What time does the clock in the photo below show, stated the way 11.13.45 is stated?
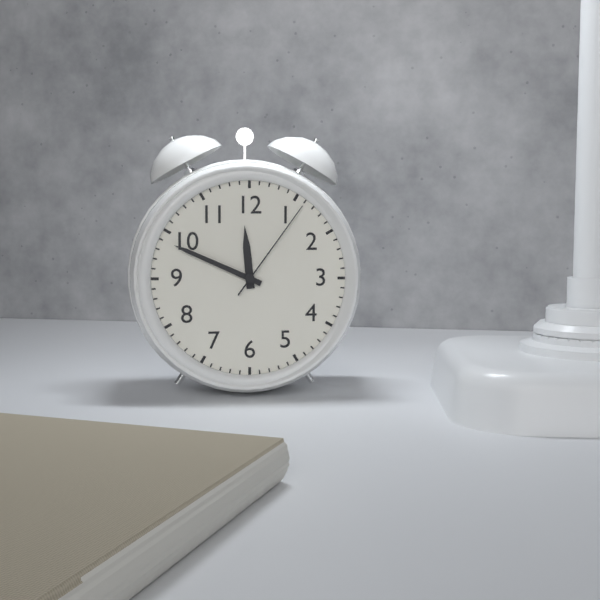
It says 11.49.06
